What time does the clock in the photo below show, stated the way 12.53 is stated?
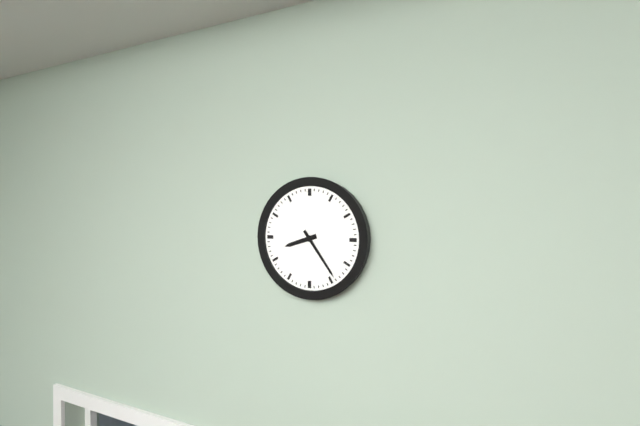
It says 8.24
